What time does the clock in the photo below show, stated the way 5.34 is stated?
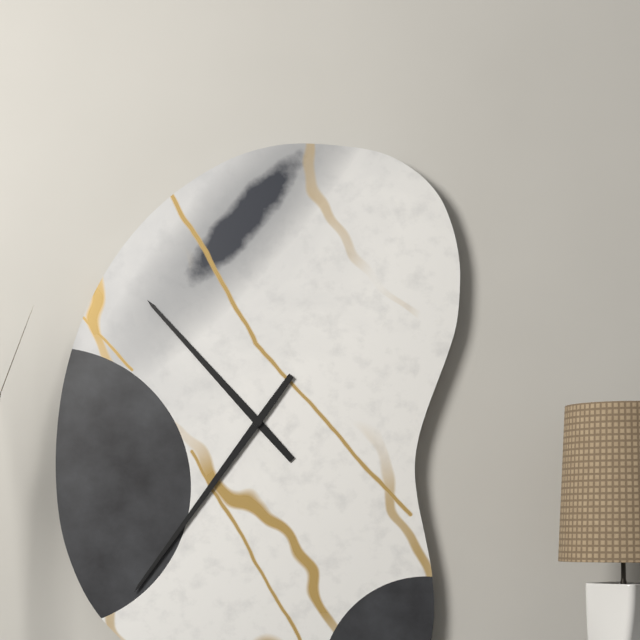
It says 10.36
